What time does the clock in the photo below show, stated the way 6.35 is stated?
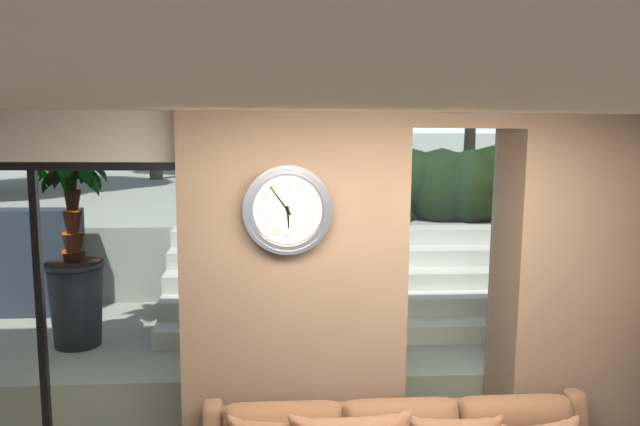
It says 5.54
